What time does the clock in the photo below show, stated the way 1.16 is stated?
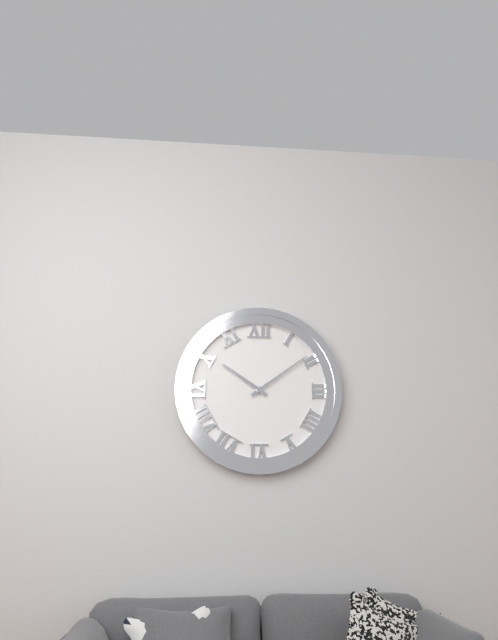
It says 10.09
